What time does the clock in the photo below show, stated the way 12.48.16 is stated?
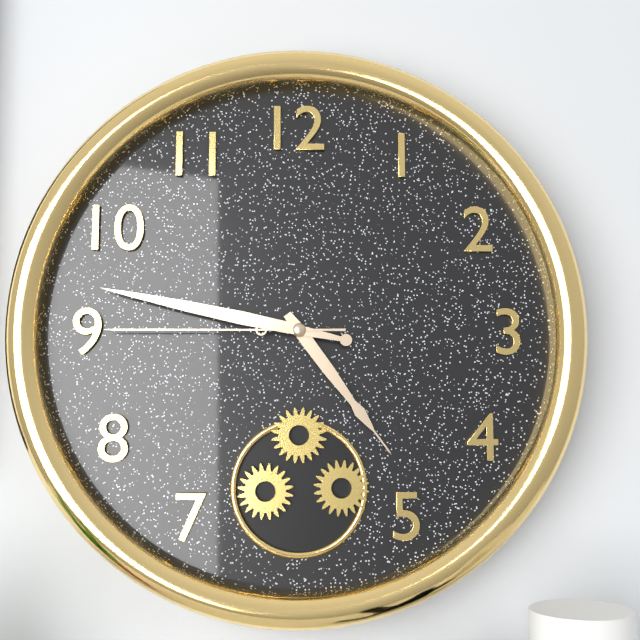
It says 4.47.45
